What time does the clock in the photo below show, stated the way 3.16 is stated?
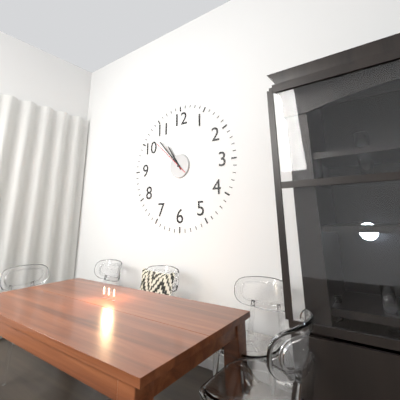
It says 10.53
